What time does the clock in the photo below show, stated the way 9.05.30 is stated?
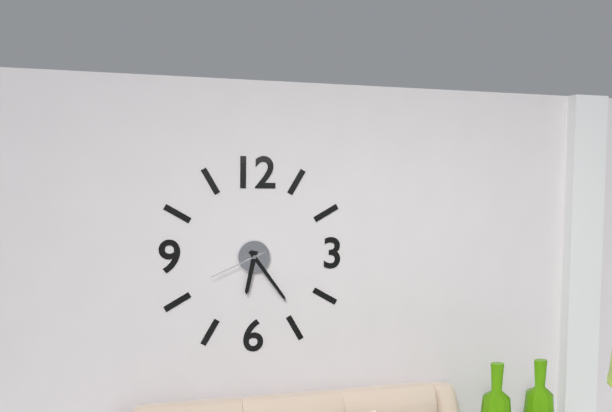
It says 6.24.41
